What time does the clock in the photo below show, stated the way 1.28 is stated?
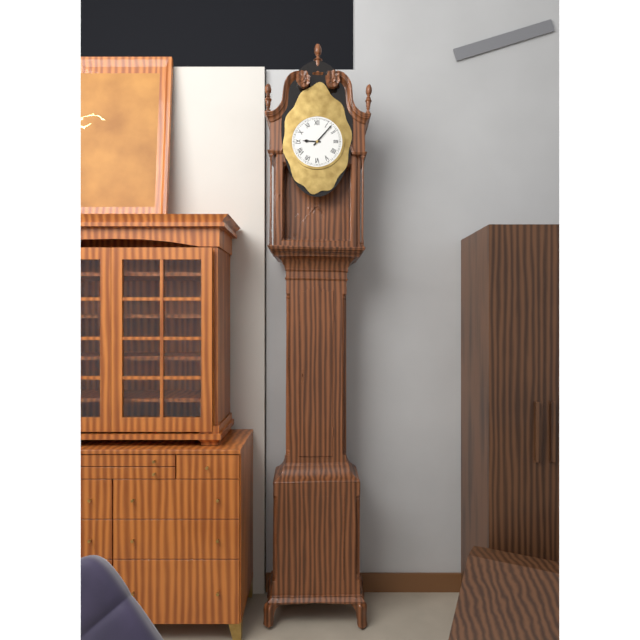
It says 9.07
